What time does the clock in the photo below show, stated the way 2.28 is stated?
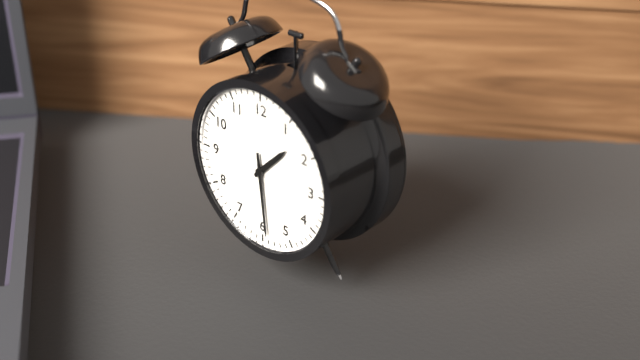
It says 1.29
